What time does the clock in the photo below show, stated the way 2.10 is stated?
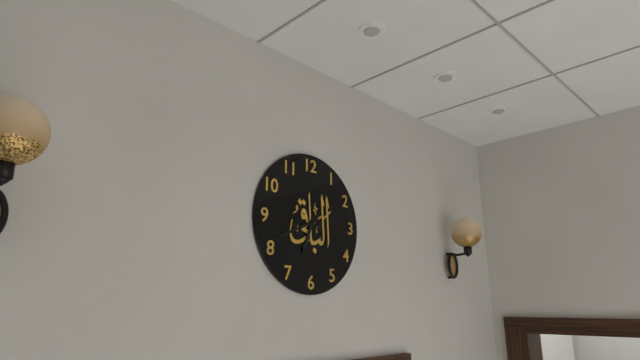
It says 6.41
